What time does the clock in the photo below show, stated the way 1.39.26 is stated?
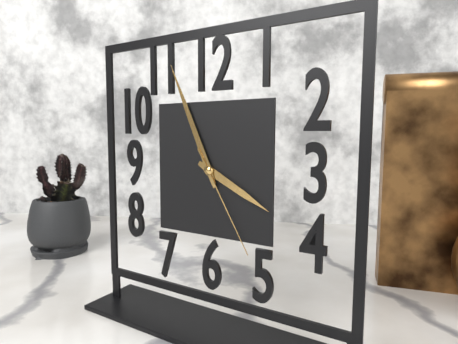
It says 3.56.25
